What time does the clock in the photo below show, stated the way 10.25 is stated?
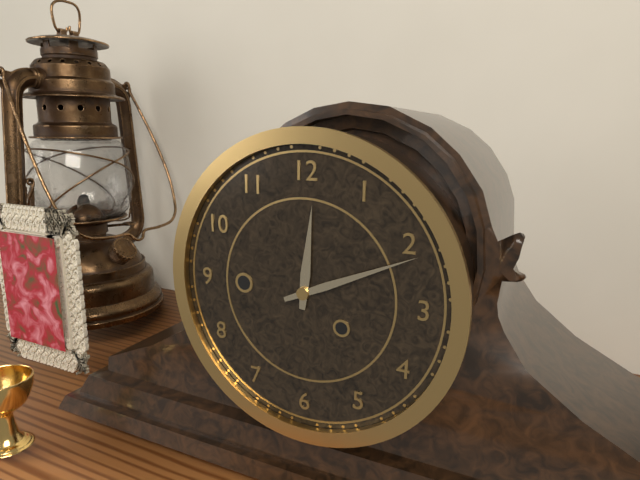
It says 12.11
